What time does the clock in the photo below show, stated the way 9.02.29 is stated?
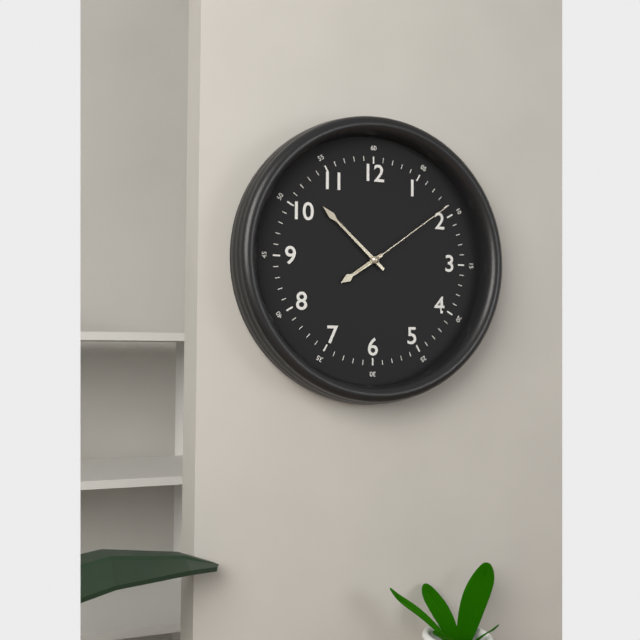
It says 7.52.09
